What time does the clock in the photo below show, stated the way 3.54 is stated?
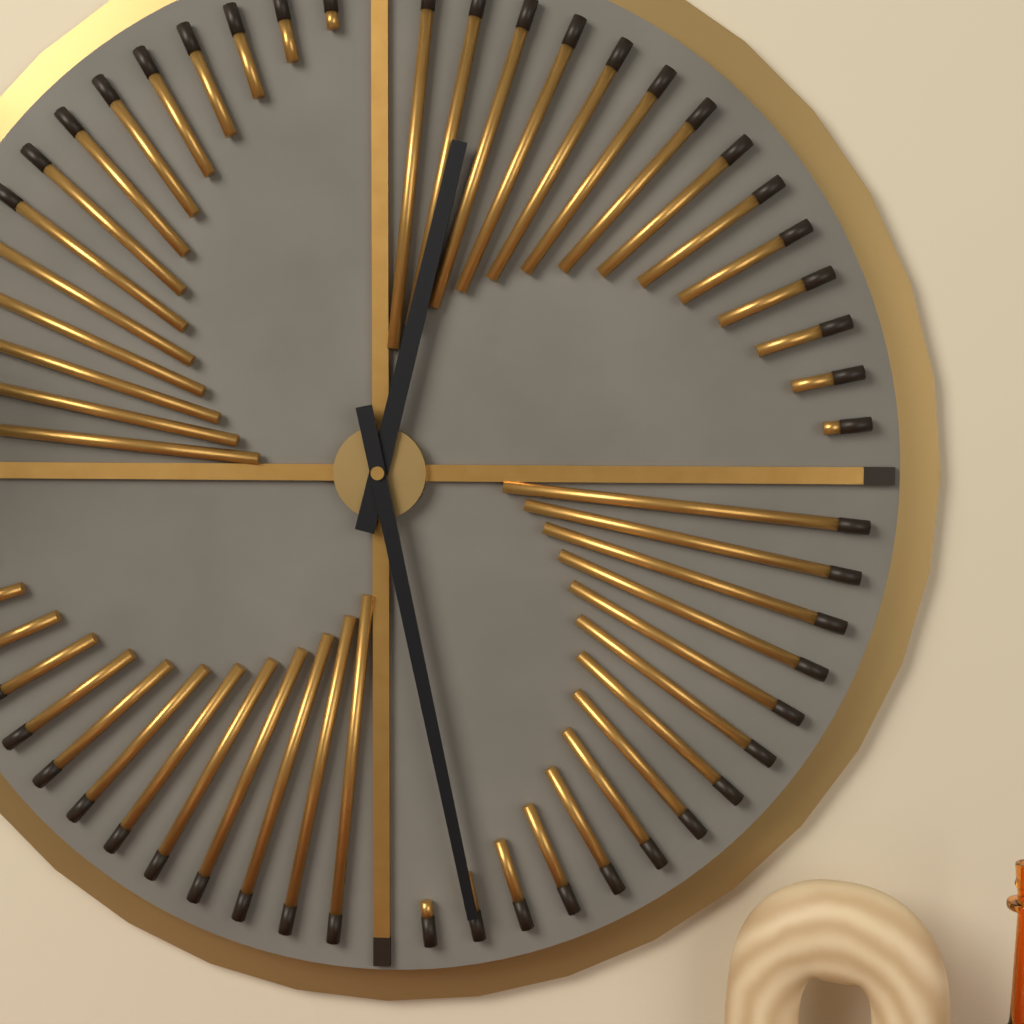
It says 12.28
